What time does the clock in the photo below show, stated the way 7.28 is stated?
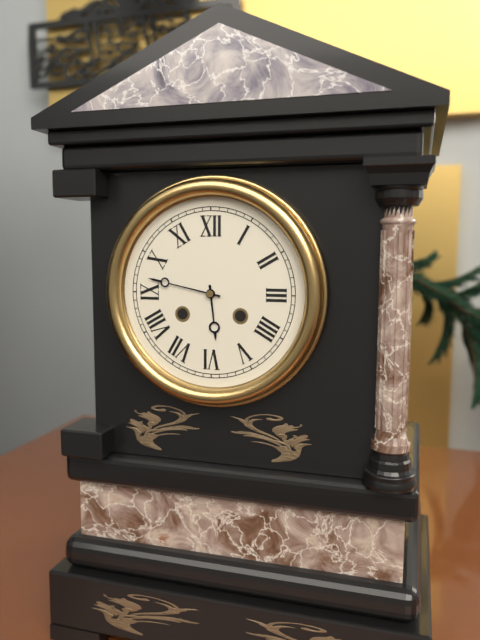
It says 5.47
